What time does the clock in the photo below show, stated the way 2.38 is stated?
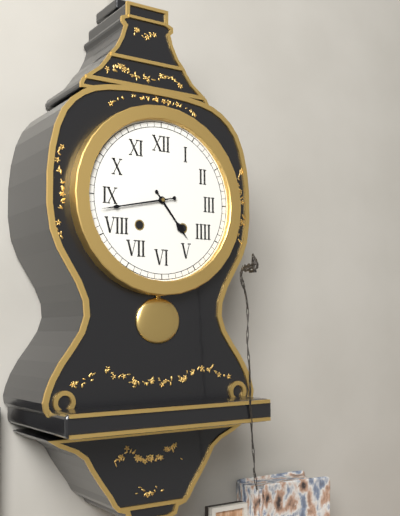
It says 4.43
